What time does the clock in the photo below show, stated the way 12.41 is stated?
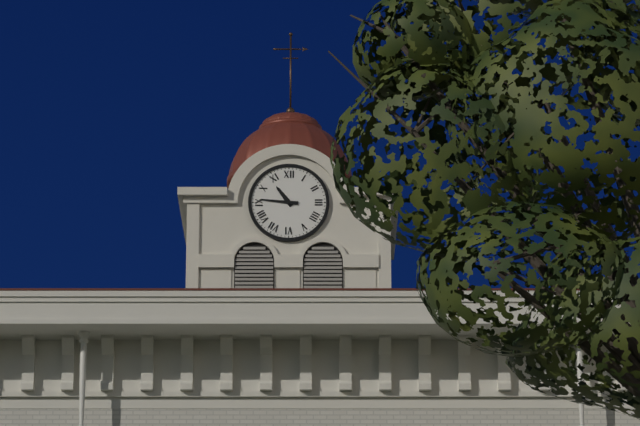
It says 10.46
